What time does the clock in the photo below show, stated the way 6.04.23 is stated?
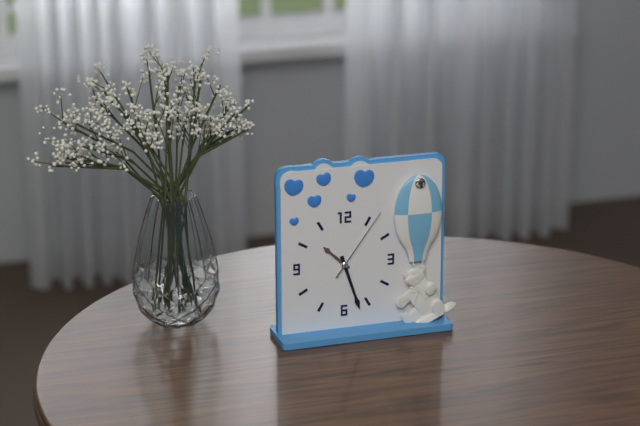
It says 10.27.06
